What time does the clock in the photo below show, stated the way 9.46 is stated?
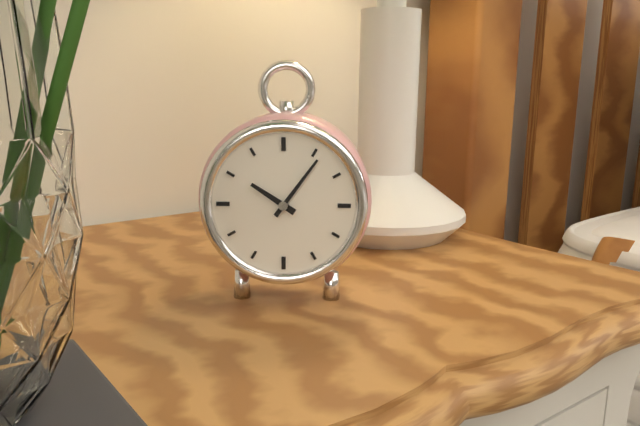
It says 10.06
